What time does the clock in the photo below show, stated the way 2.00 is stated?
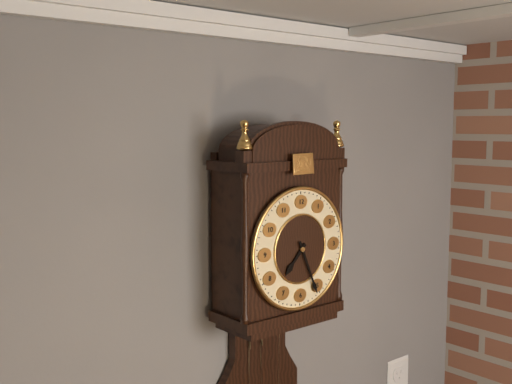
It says 7.26
